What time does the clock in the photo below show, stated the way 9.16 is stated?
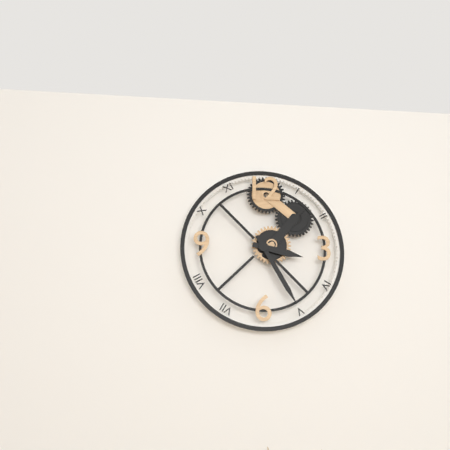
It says 3.25
